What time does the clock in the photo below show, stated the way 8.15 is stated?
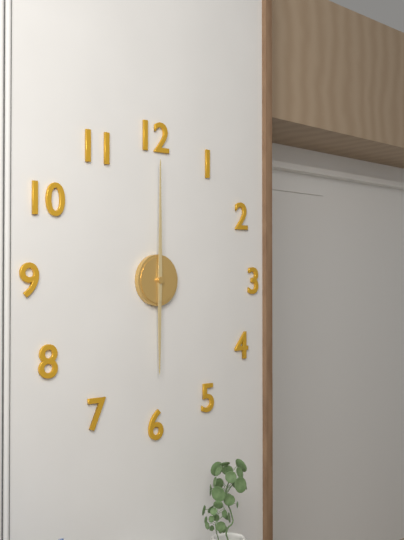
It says 6.00
